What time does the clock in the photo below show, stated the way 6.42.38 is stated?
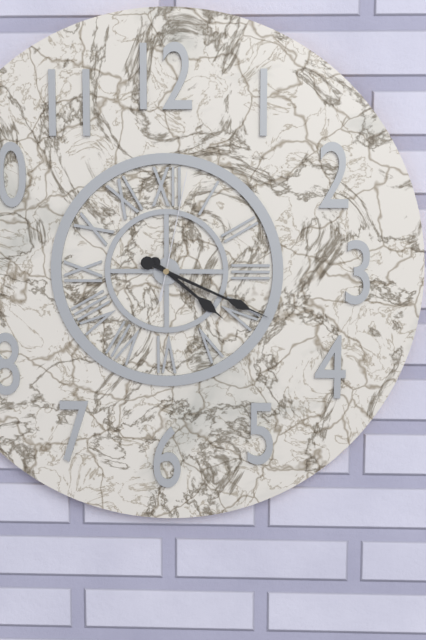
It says 4.19.02
